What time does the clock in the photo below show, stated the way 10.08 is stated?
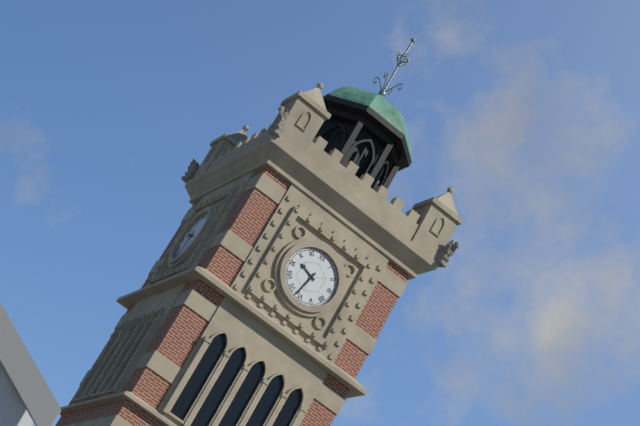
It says 9.32
